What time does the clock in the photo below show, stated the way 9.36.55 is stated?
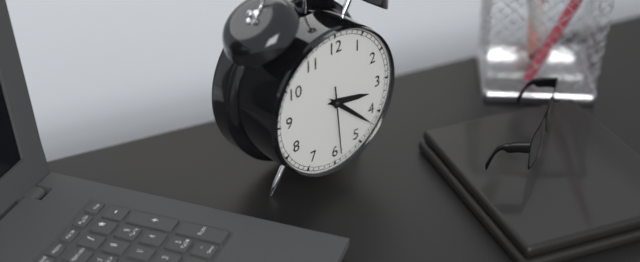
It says 3.22.29
